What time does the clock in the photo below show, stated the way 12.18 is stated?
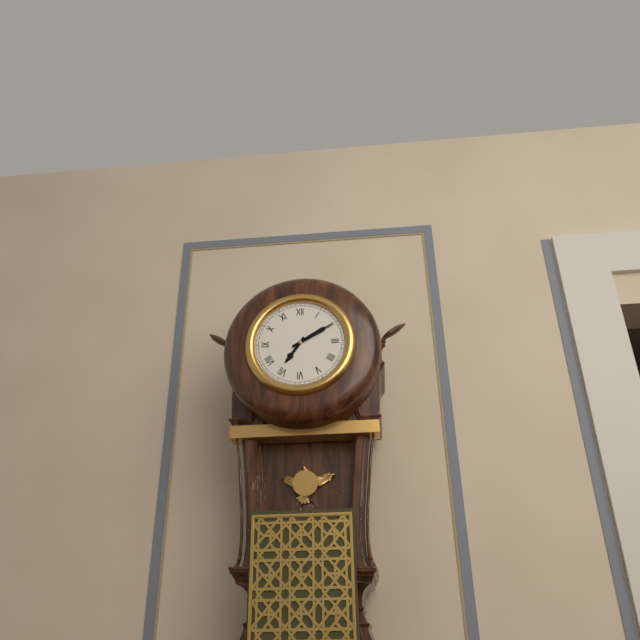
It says 7.10
